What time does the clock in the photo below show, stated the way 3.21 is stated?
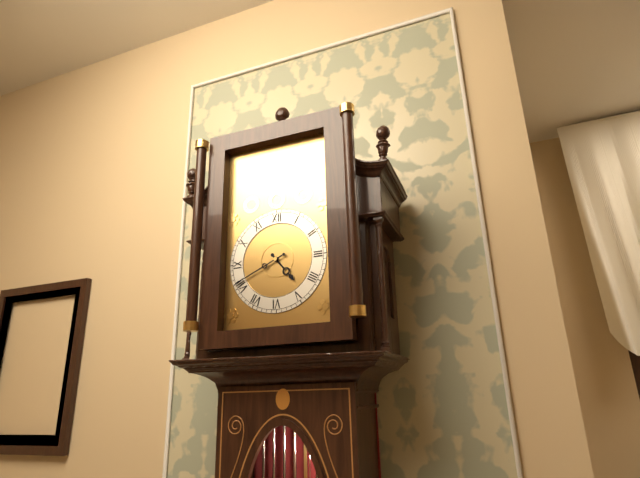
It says 4.41
